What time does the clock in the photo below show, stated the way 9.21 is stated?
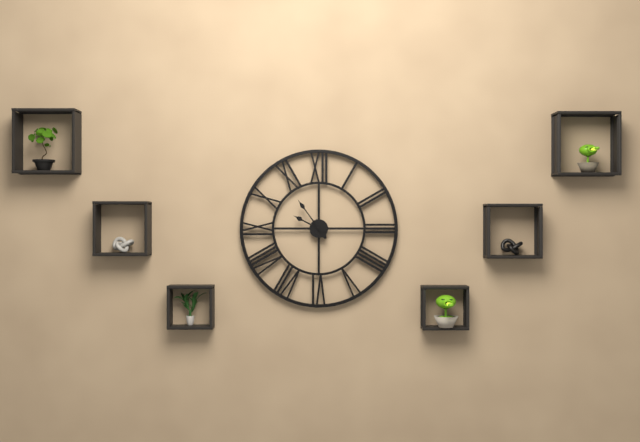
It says 9.54
